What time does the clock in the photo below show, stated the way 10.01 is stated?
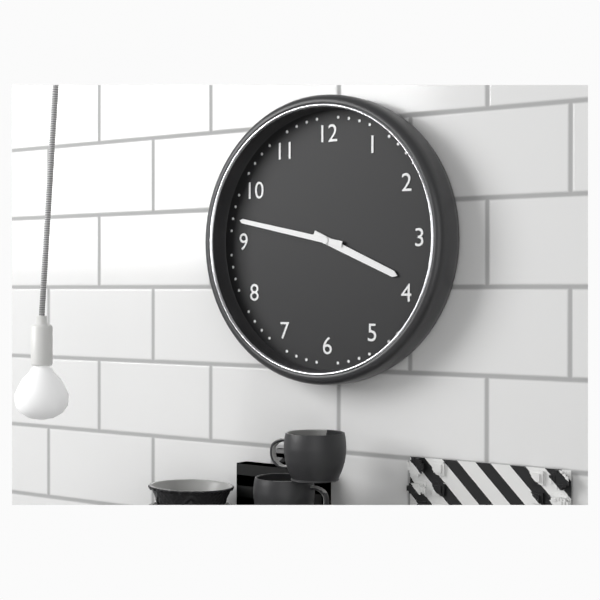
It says 3.47
